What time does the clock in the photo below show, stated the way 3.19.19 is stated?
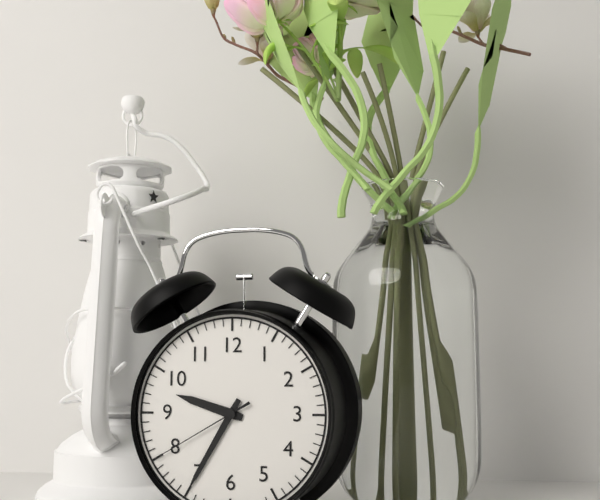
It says 9.35.40
